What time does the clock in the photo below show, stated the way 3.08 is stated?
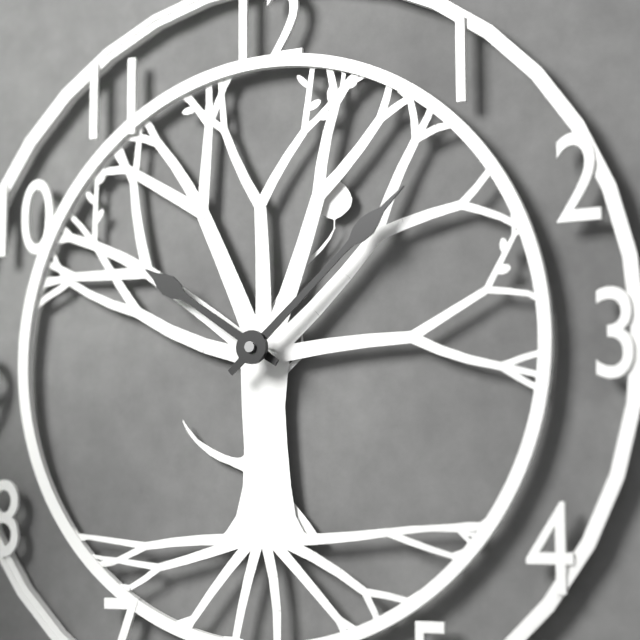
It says 10.08
